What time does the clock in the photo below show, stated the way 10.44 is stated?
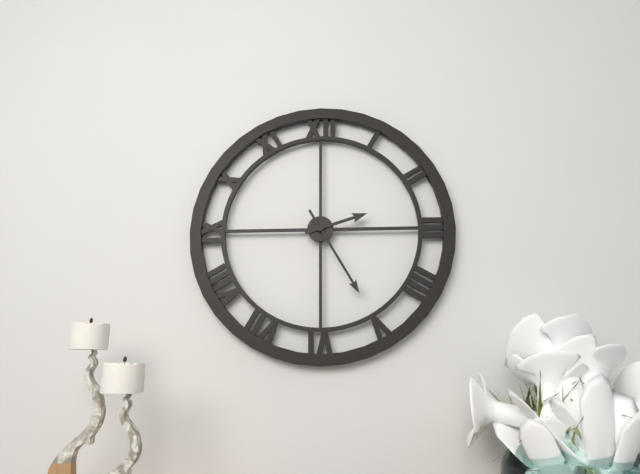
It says 2.25
